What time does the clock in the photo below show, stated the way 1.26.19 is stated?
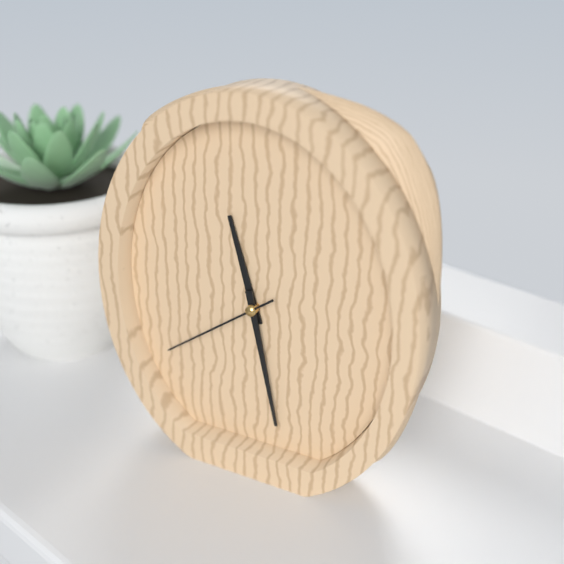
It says 11.28.39
